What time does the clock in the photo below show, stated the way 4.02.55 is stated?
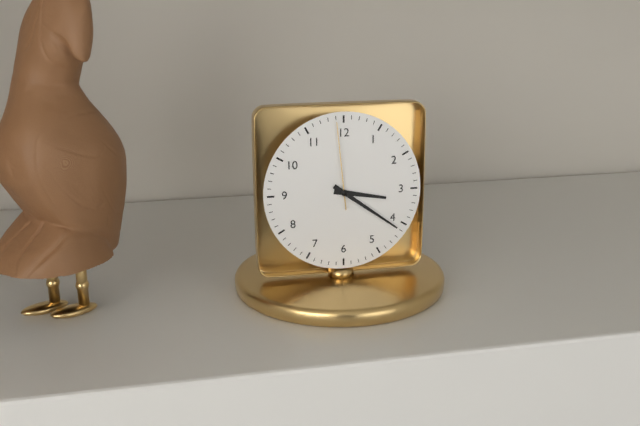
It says 3.21.59
